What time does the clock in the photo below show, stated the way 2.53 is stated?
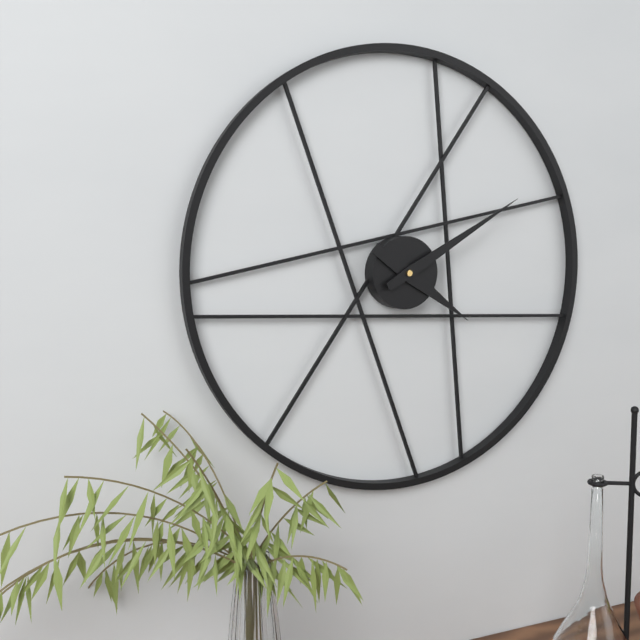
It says 4.10
